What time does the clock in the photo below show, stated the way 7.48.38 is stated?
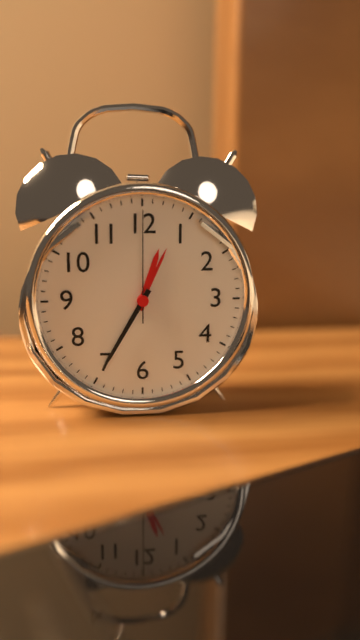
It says 12.35.00
